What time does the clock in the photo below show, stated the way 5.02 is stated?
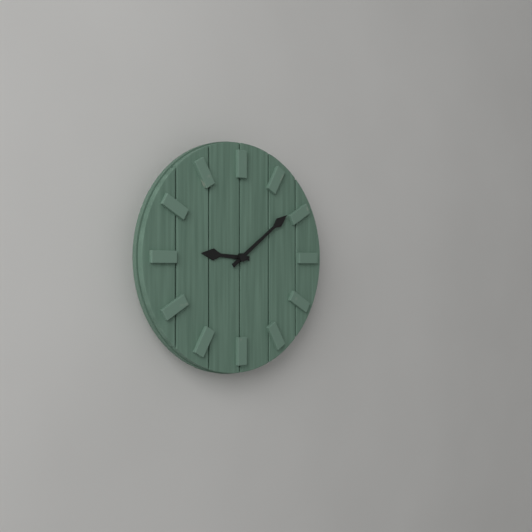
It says 9.09
